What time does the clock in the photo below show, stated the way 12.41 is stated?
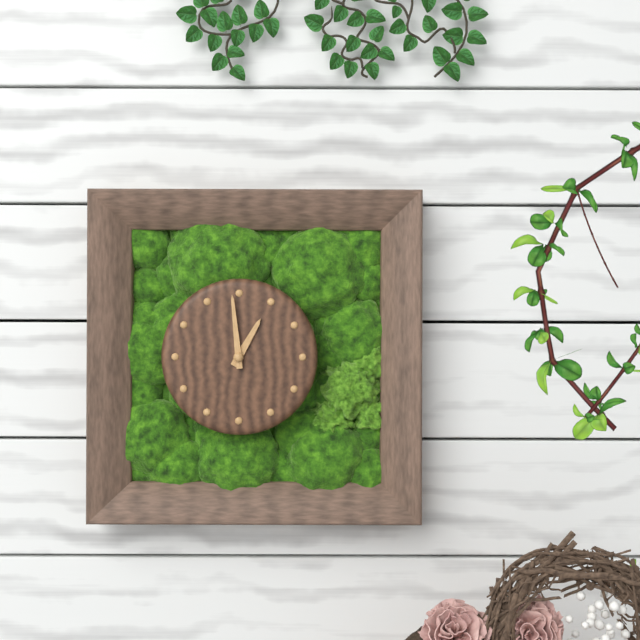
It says 12.59
